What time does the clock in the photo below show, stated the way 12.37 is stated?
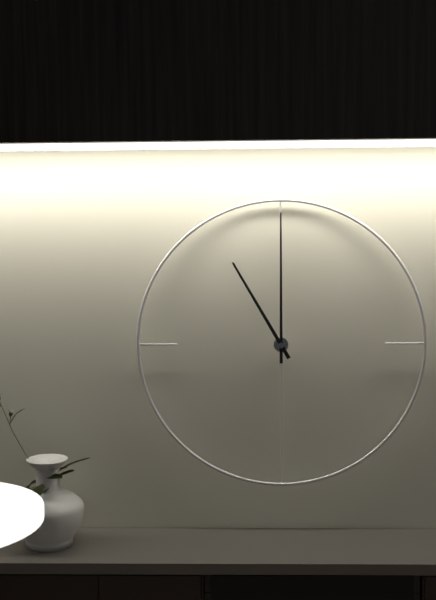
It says 11.00
